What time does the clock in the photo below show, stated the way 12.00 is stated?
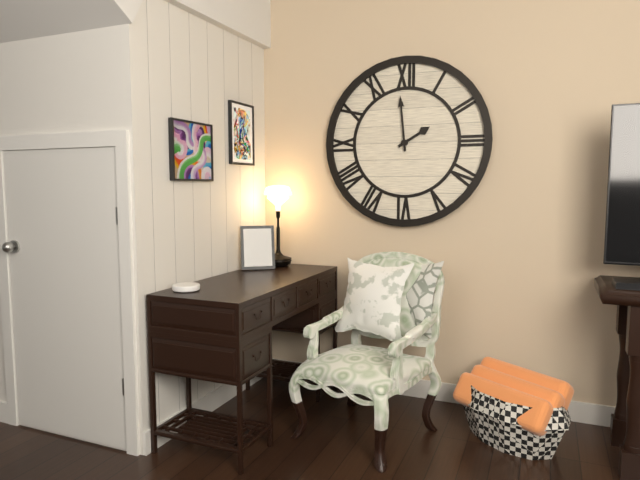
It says 1.59
